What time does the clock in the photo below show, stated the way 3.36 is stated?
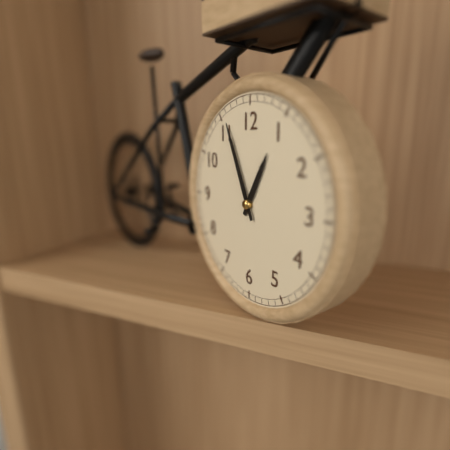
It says 12.56
